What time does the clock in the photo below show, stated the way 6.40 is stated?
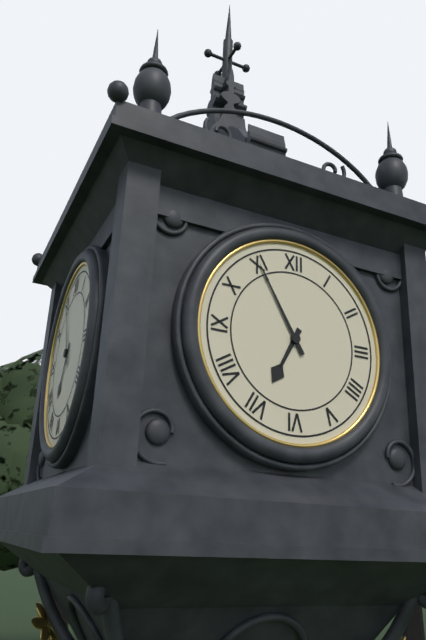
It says 6.55
